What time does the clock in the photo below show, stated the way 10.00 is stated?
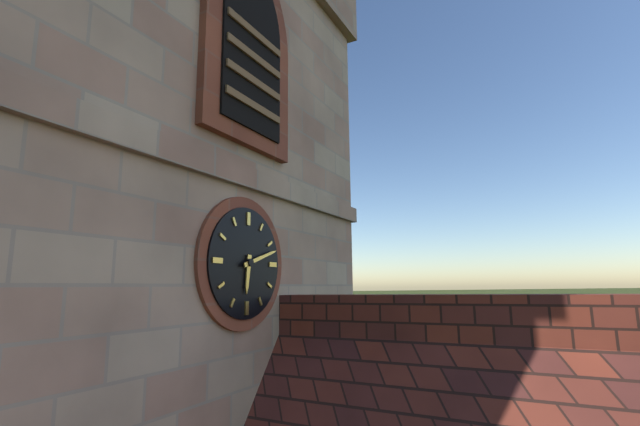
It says 6.12
